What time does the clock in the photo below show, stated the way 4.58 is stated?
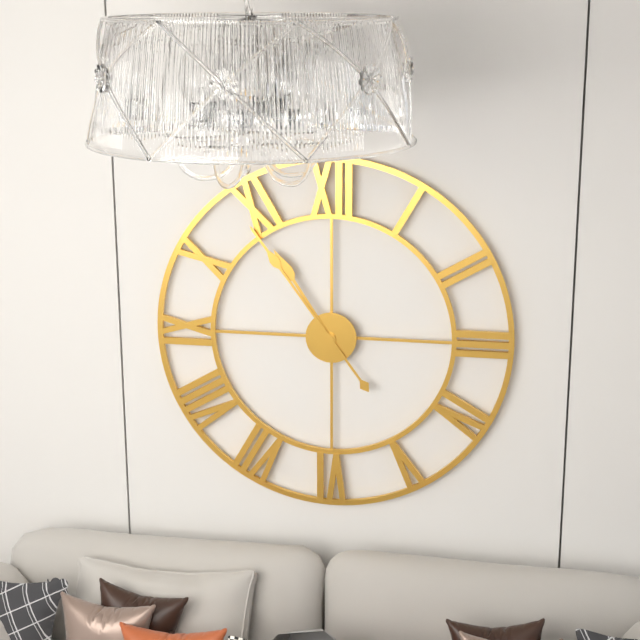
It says 10.54
